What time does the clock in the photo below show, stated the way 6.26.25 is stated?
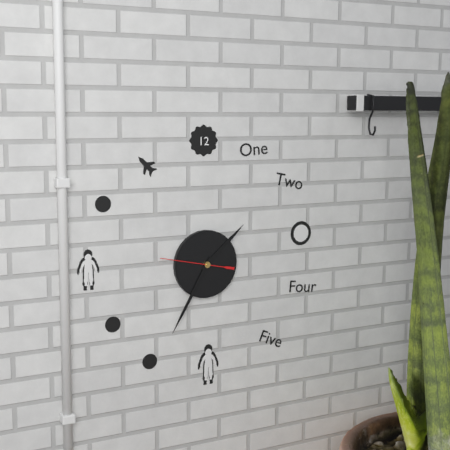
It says 1.35.47
